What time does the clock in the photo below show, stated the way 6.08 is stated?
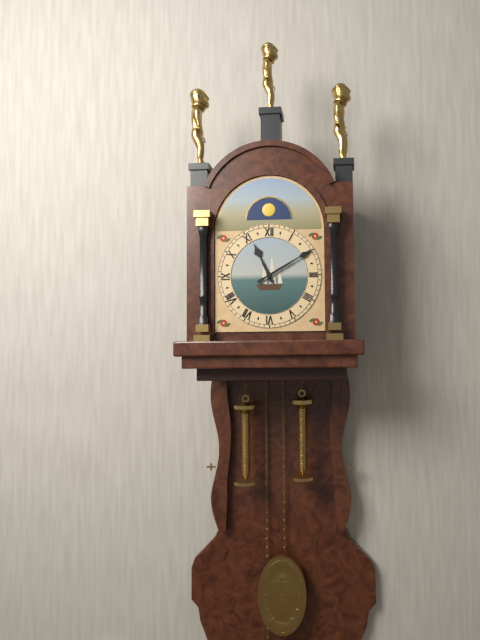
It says 11.10
